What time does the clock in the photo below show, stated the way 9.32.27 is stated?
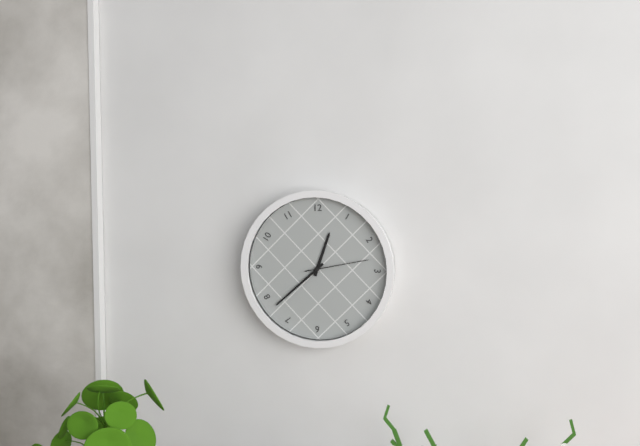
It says 12.38.13
